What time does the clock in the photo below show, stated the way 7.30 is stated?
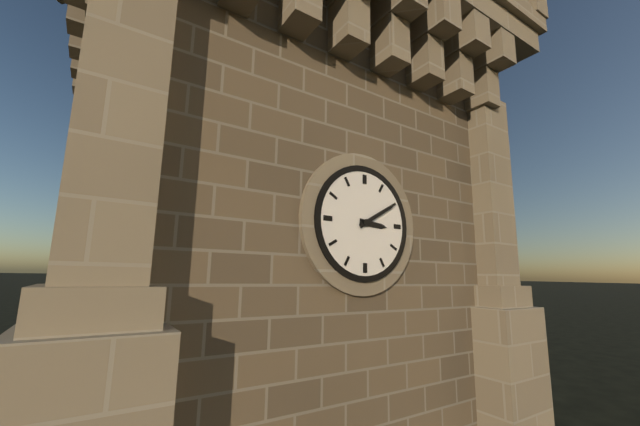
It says 3.10
